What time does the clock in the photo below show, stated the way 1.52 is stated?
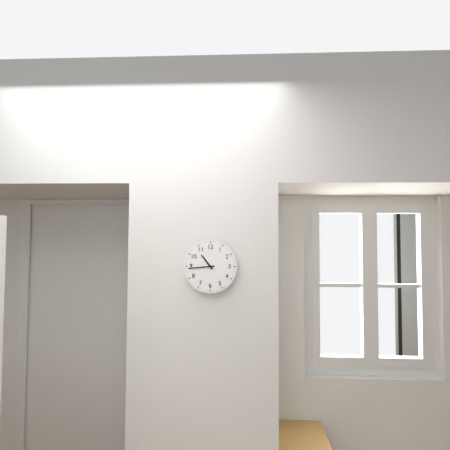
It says 10.44
